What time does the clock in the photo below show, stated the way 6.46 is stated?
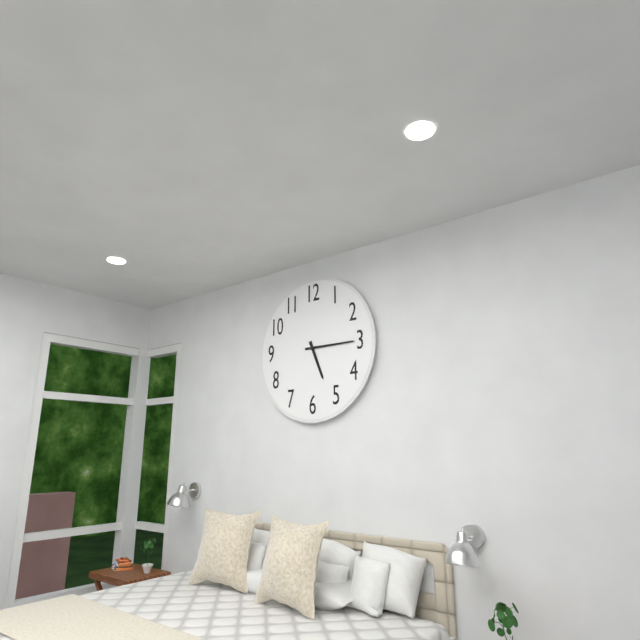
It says 5.15
